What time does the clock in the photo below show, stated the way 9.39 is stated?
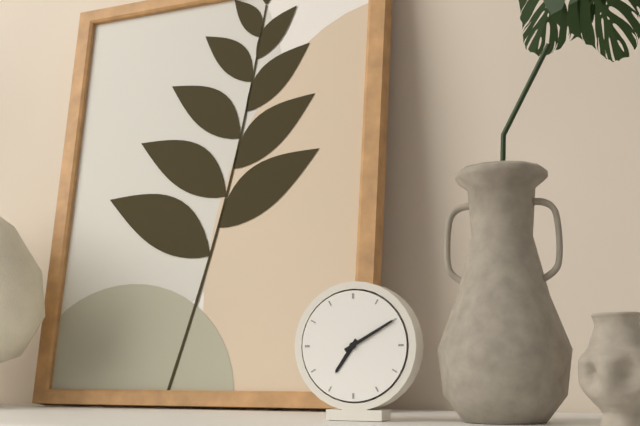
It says 7.10
